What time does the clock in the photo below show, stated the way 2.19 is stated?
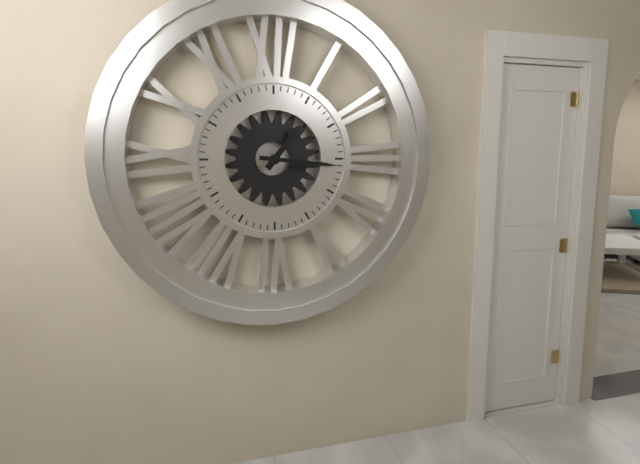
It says 1.16
